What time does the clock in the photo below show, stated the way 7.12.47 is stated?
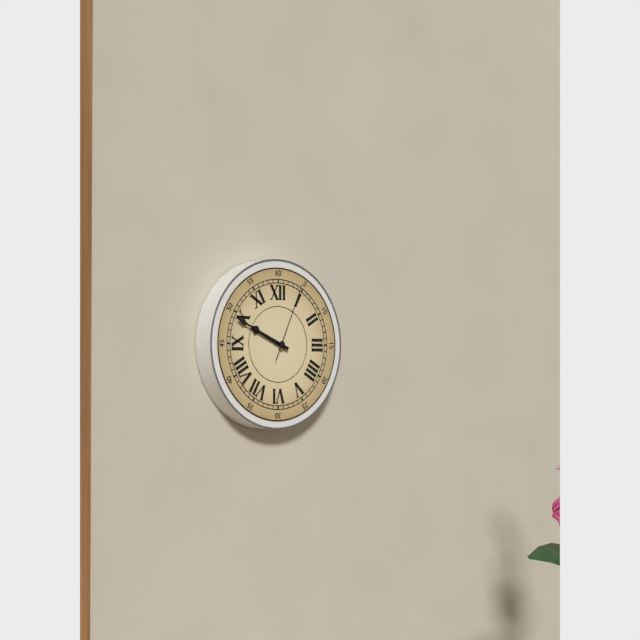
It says 9.49.04
